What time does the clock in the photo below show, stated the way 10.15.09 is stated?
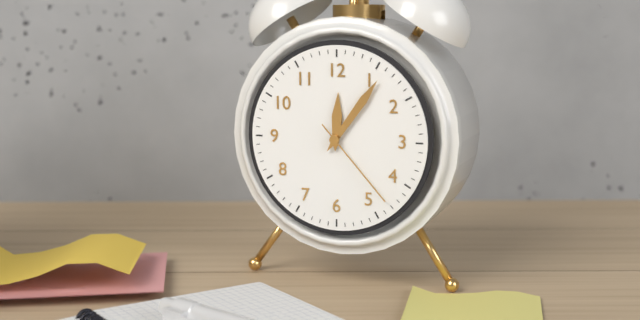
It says 12.06.23
